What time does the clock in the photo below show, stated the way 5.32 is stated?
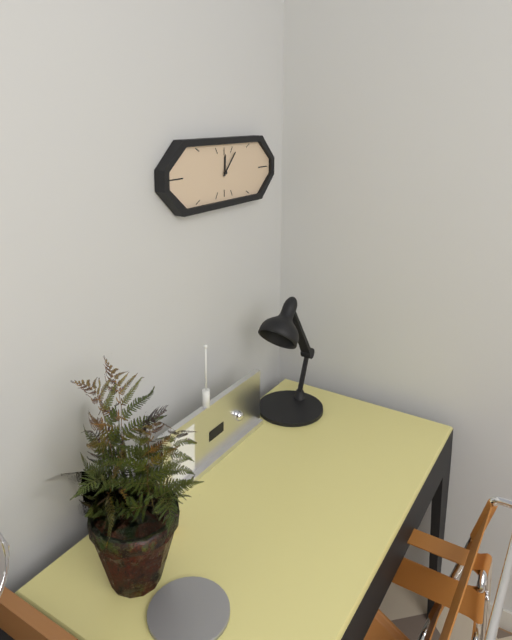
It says 12.07
